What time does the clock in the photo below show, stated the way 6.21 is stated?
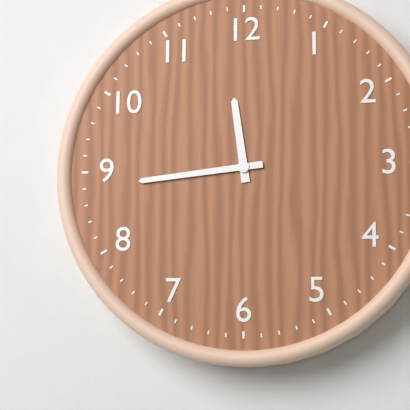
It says 11.44
